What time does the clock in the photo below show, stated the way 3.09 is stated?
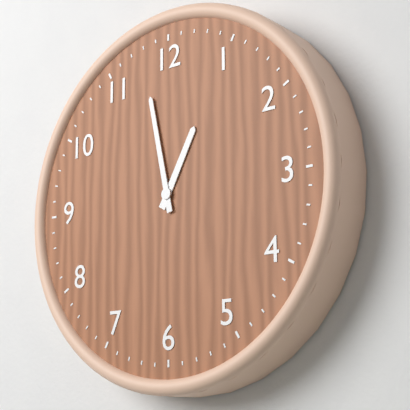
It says 12.58
